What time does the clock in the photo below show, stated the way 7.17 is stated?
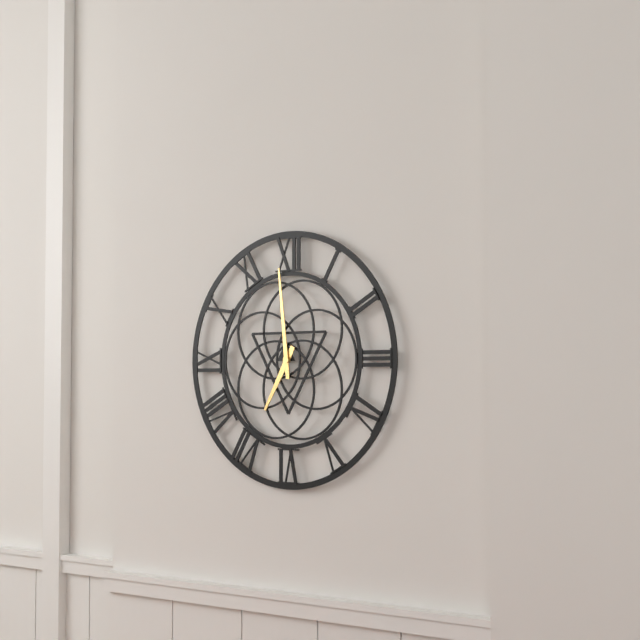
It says 6.59
